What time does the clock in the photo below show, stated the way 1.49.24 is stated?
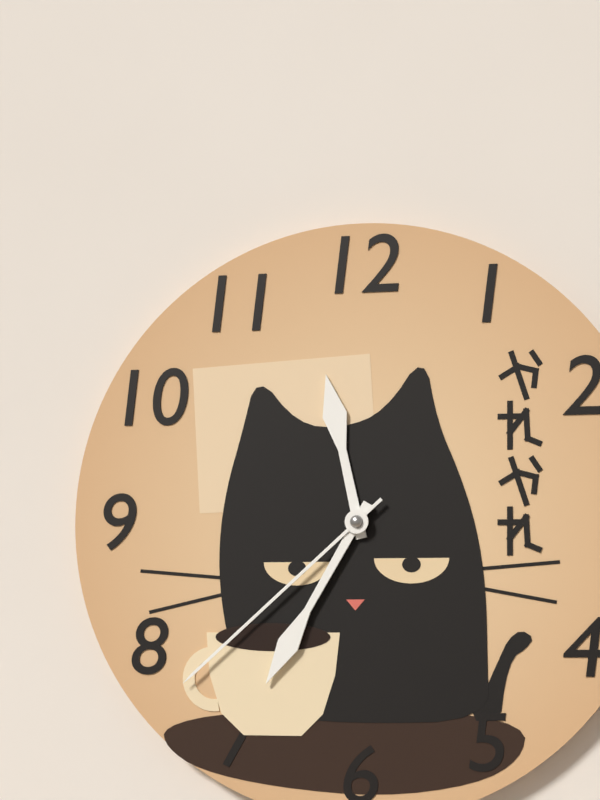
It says 11.35.38
